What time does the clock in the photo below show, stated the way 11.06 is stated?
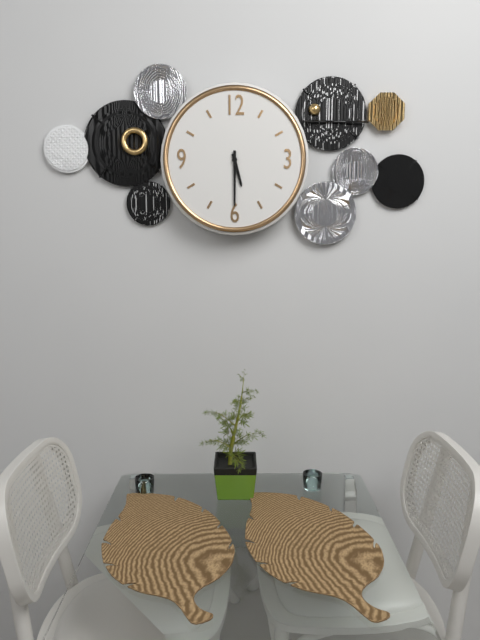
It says 5.30
